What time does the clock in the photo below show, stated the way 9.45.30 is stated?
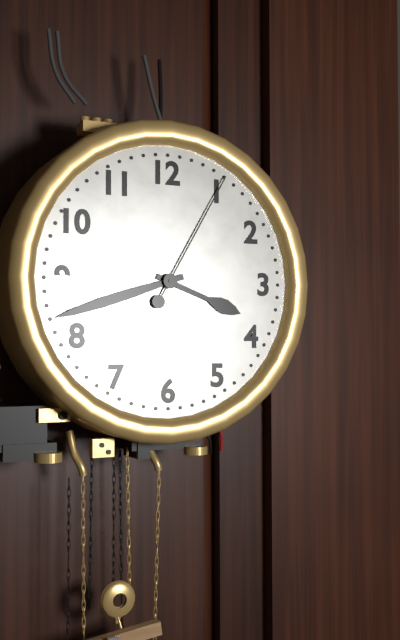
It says 3.42.05
